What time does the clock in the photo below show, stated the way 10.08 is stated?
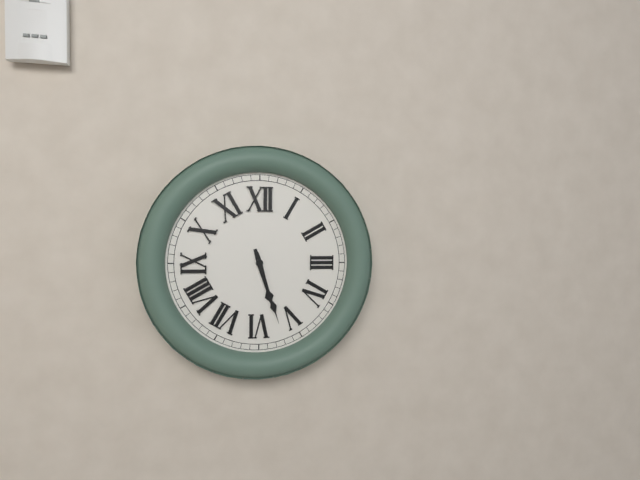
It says 5.27
